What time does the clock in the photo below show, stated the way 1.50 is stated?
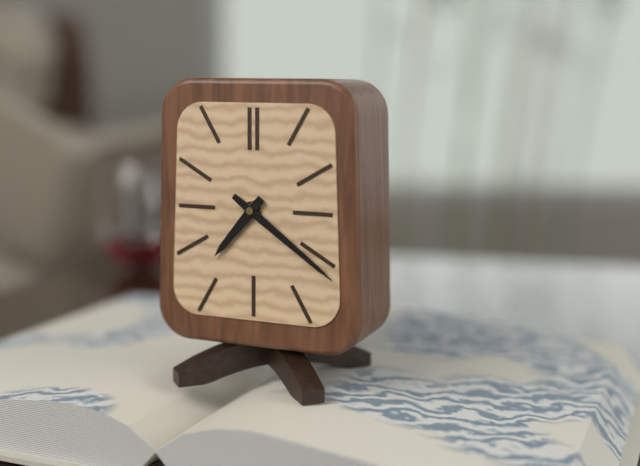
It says 7.21
